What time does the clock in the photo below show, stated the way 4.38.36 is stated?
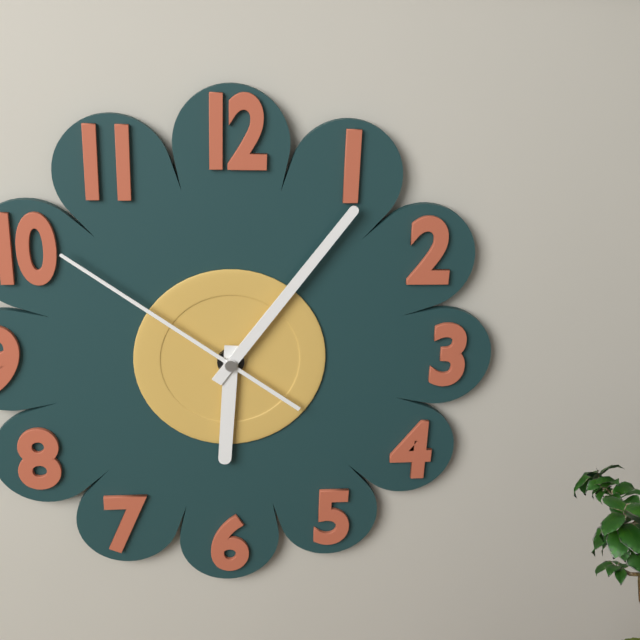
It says 6.06.51
